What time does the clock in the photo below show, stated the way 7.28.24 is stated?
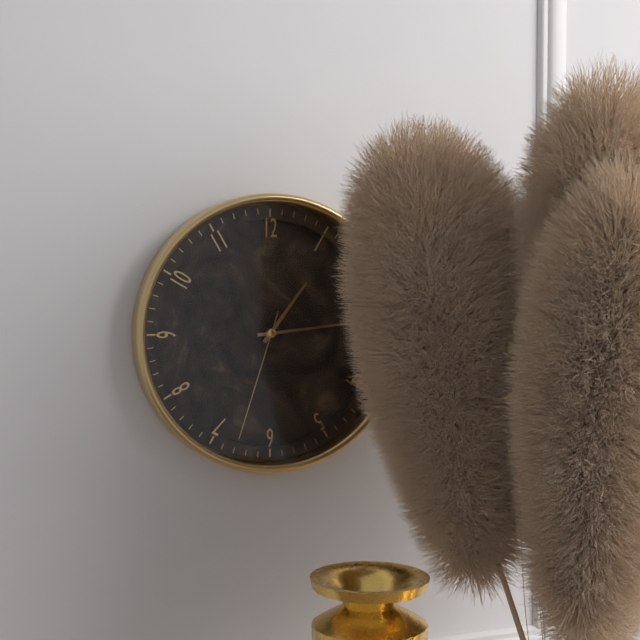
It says 1.14.33
